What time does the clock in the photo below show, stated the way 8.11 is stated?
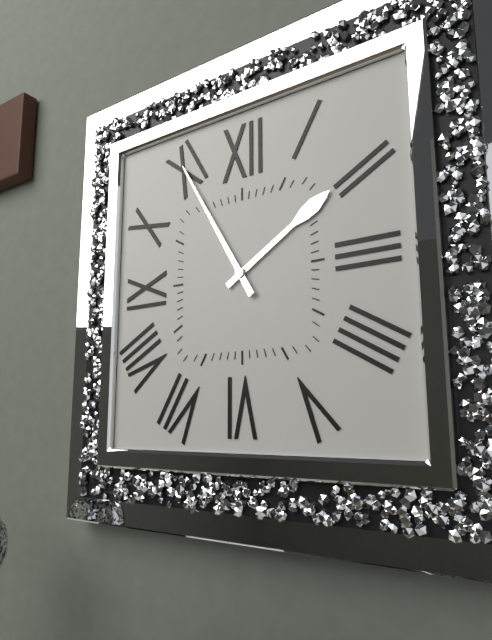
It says 1.55
